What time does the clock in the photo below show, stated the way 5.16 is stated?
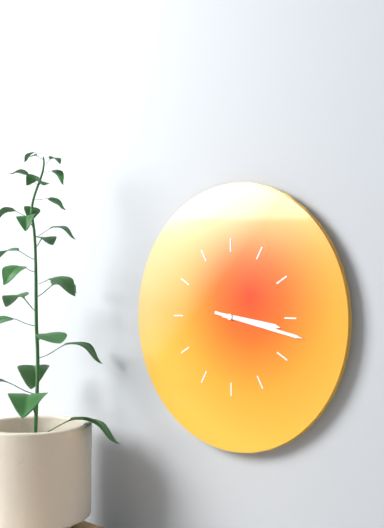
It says 3.17
